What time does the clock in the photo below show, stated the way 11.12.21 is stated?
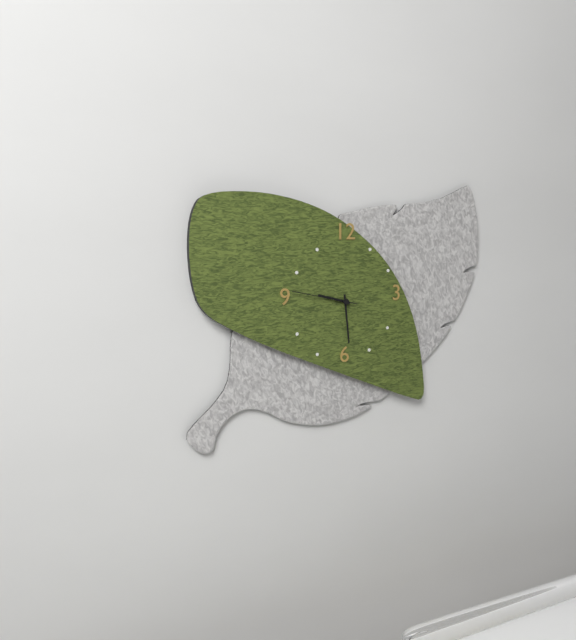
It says 9.29.47
